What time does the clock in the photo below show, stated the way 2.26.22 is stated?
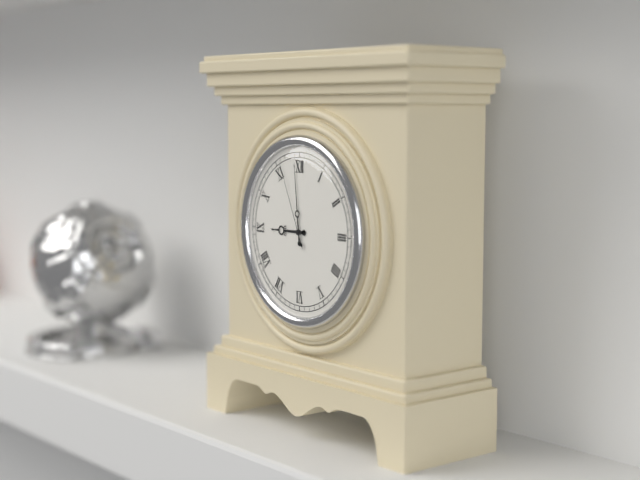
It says 8.59.56
